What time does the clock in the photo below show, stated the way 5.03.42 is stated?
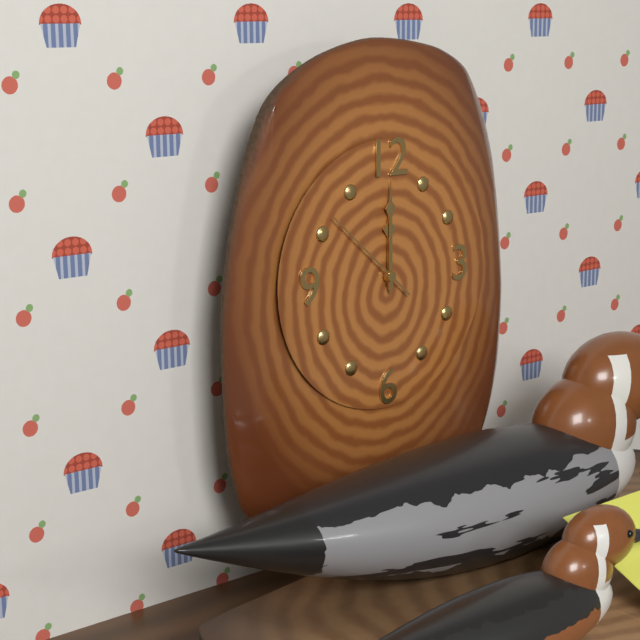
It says 12.00.52
